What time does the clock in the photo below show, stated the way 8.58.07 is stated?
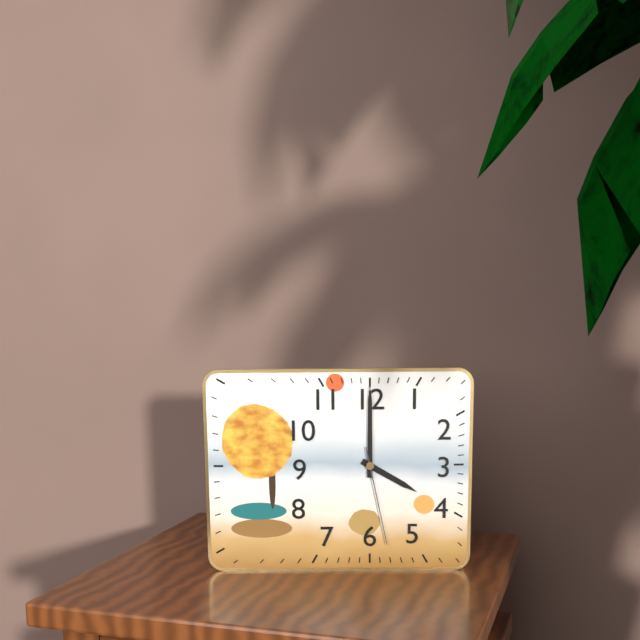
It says 4.00.28
